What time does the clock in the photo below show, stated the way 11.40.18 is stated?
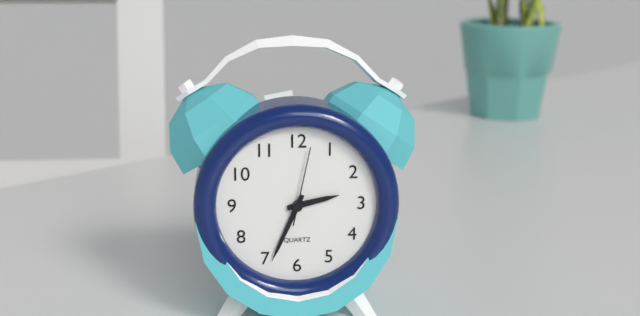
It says 2.34.02
